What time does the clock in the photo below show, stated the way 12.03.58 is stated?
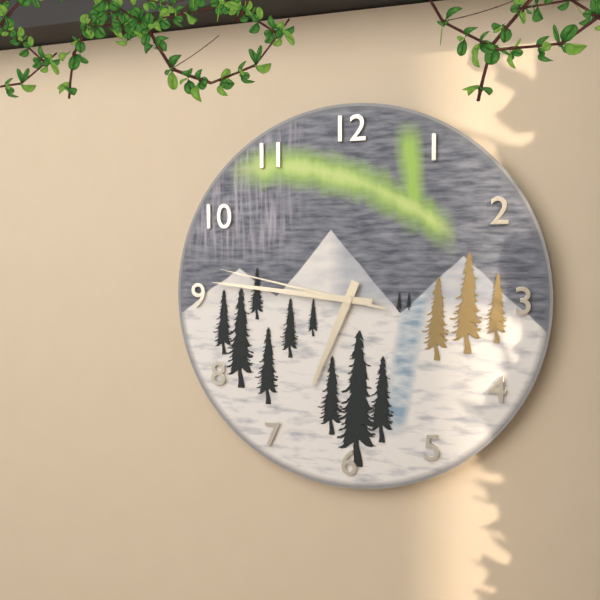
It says 6.46.47
